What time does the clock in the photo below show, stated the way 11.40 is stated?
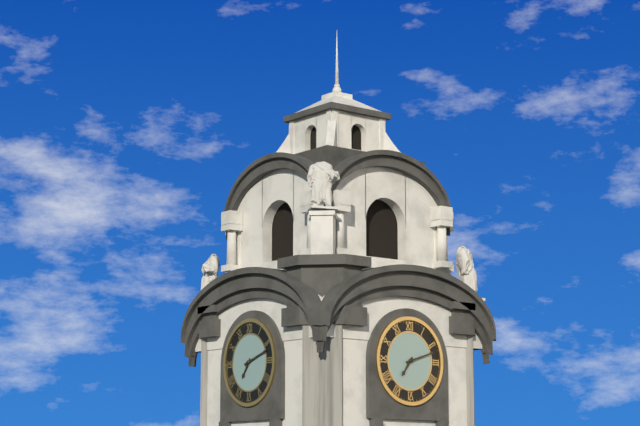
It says 7.12
